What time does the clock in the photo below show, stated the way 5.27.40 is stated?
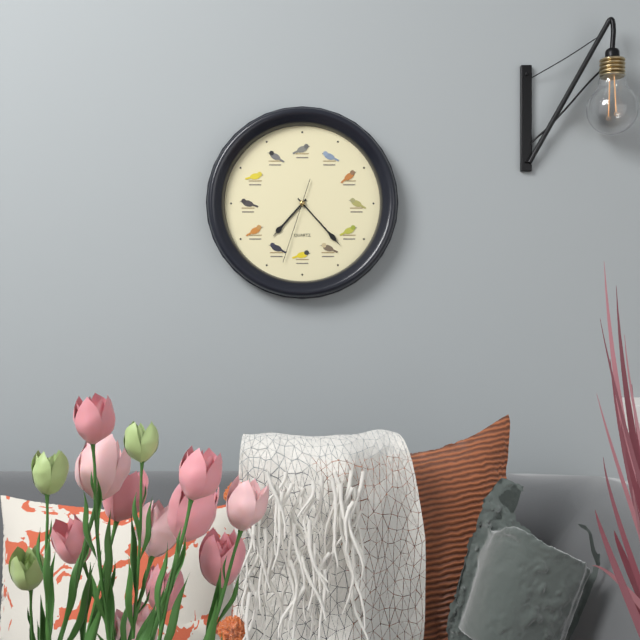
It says 7.23.33
